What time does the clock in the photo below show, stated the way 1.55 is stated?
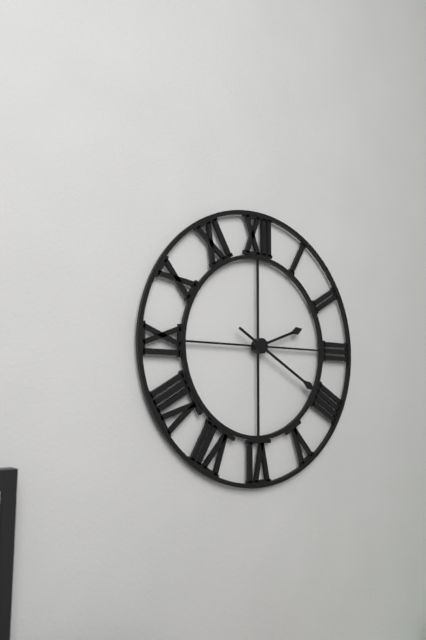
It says 2.20
